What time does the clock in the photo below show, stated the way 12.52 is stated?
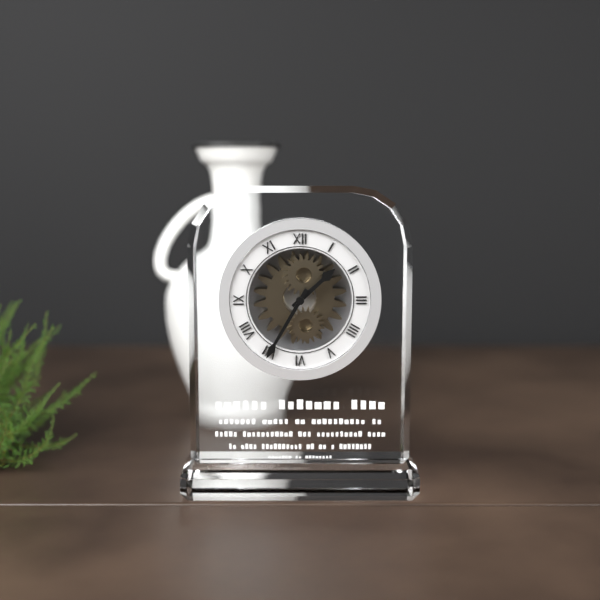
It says 1.35
